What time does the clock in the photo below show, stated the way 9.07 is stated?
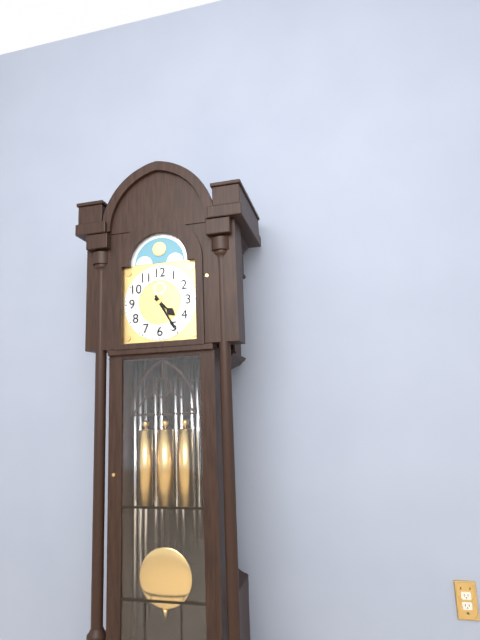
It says 4.25
